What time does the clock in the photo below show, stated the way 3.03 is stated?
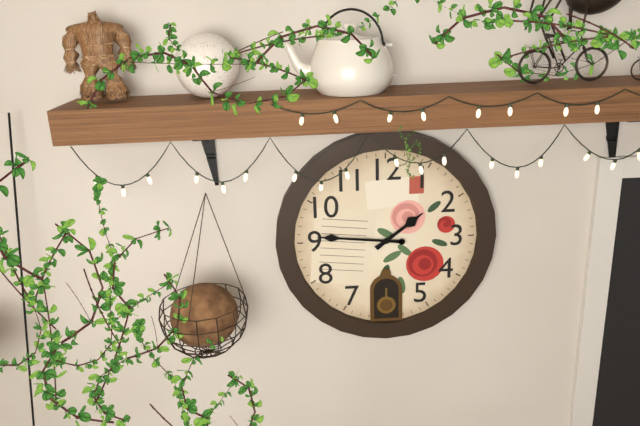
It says 1.46
